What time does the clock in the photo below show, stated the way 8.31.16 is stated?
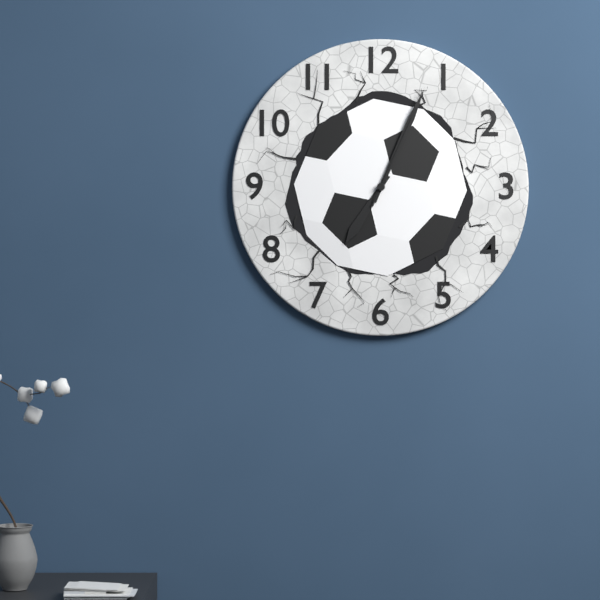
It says 7.04.04
